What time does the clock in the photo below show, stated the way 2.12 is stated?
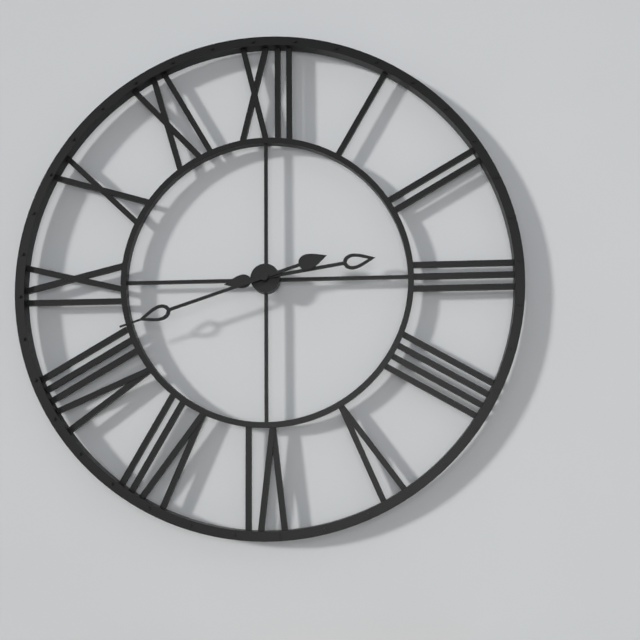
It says 2.42
